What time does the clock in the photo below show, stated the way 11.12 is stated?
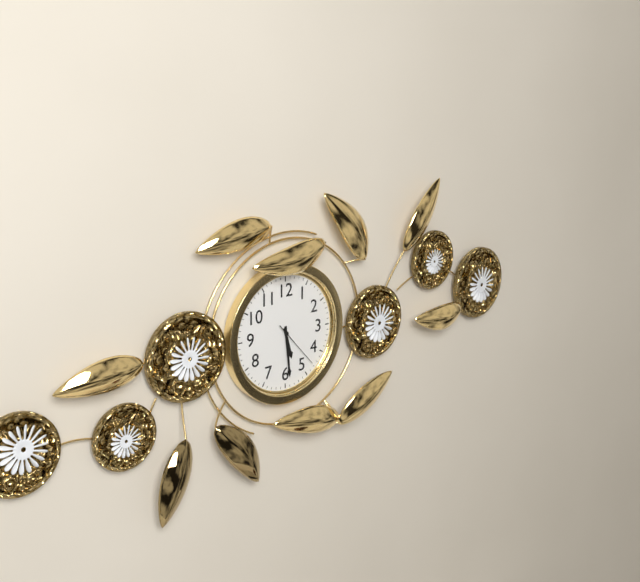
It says 5.29
